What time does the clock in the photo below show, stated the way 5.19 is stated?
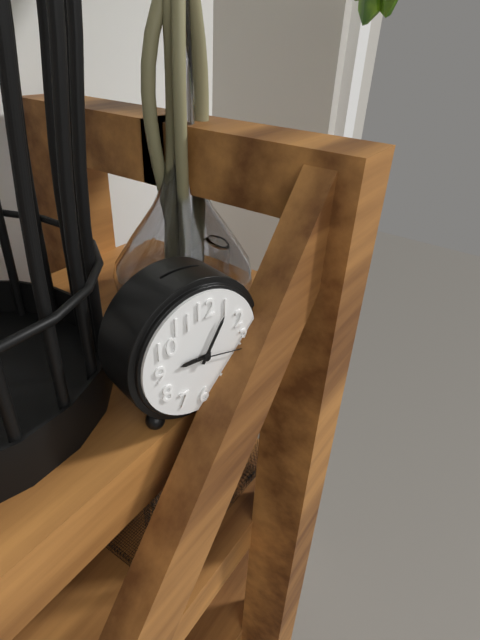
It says 9.05
